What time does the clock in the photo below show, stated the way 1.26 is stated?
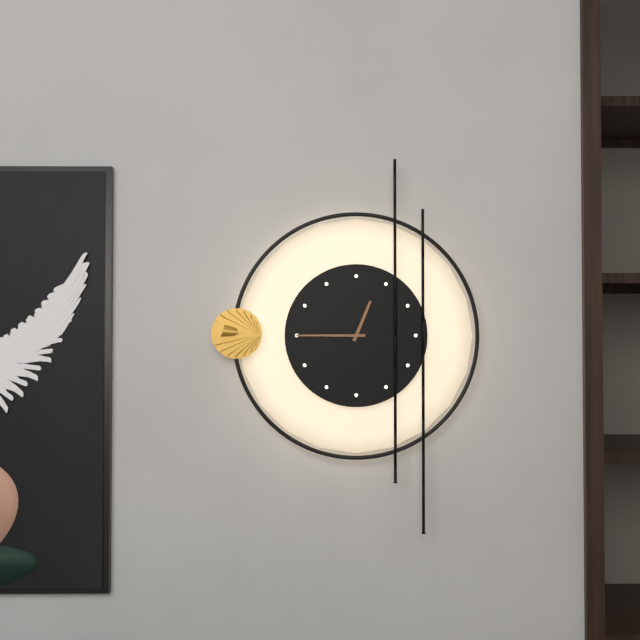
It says 12.45
